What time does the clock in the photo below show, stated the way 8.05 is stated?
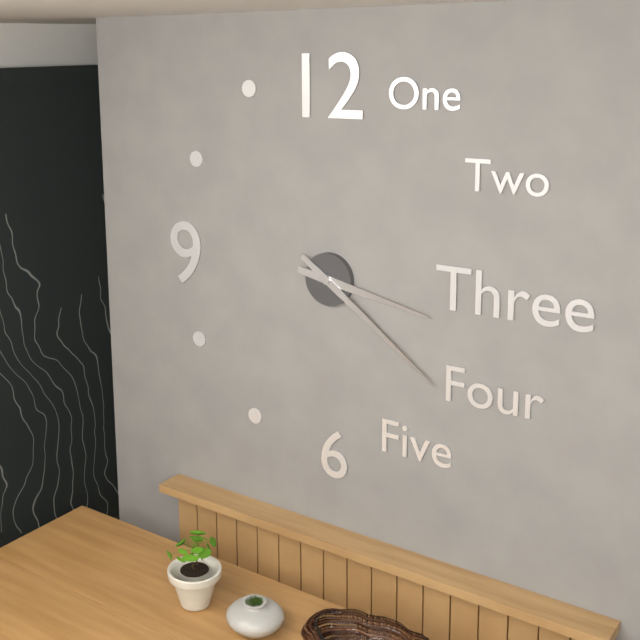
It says 3.21
